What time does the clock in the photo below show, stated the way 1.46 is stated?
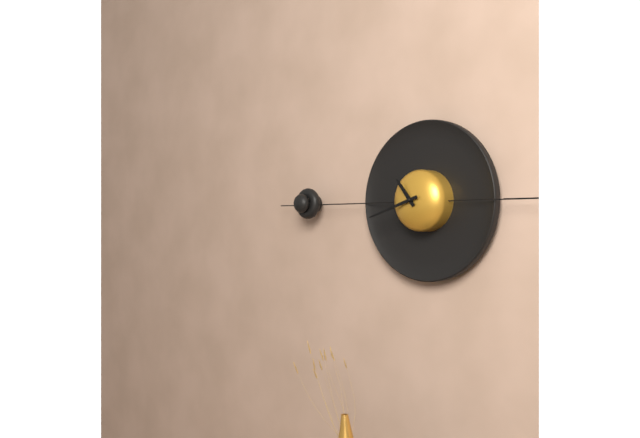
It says 10.42
